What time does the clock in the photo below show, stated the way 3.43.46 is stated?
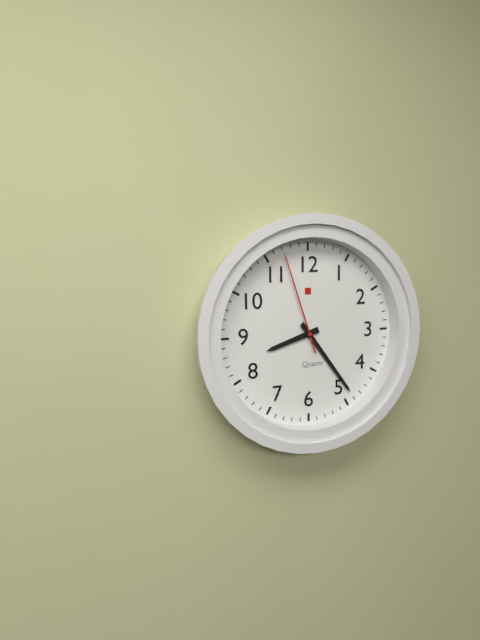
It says 8.24.57
